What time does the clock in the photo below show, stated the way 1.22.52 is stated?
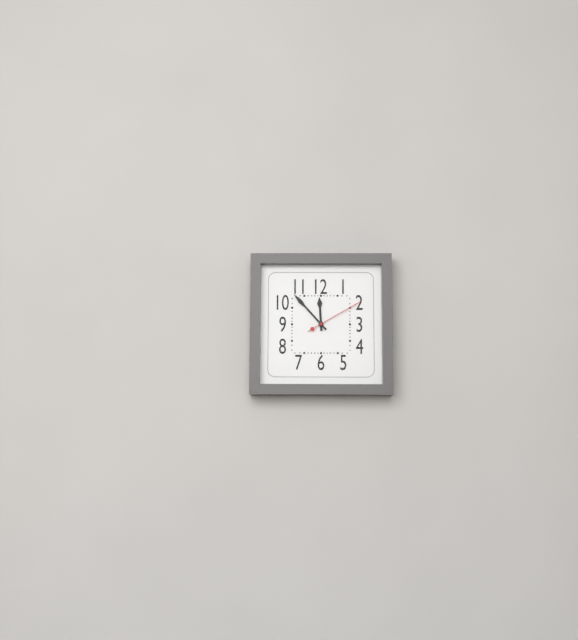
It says 11.53.10
